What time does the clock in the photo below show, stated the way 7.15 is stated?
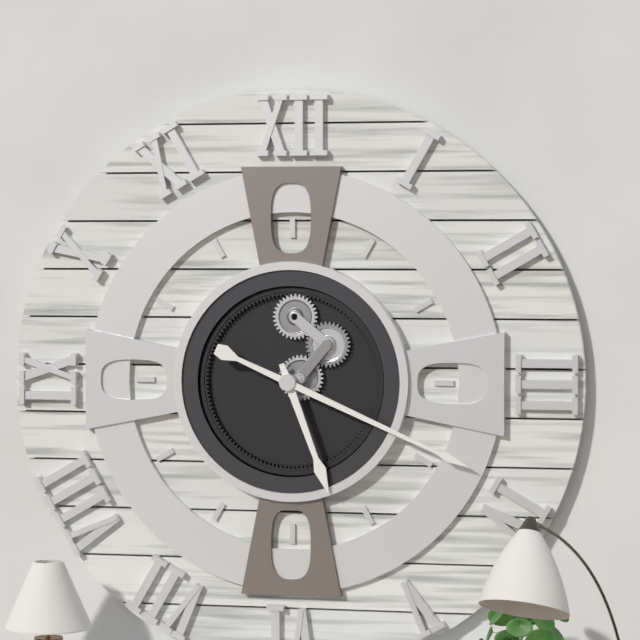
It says 5.19
